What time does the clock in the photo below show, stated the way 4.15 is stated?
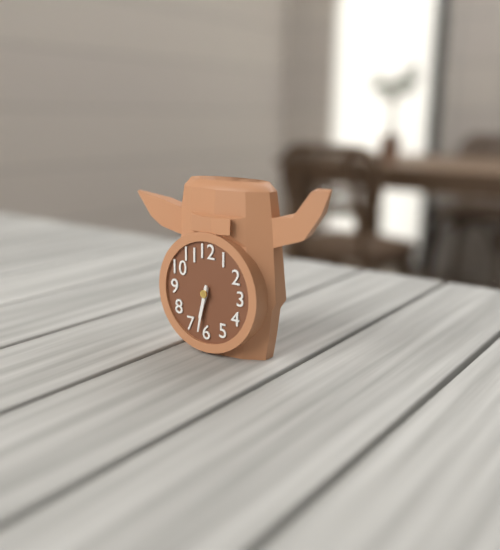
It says 6.32
